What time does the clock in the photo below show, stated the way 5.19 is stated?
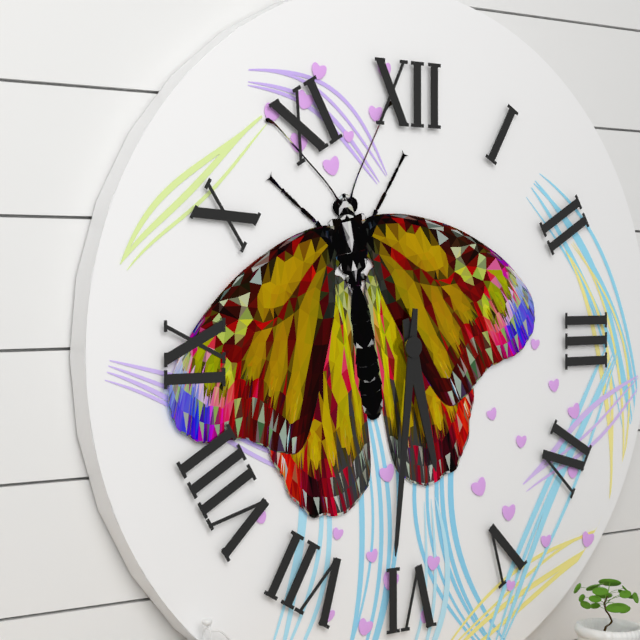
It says 5.31
